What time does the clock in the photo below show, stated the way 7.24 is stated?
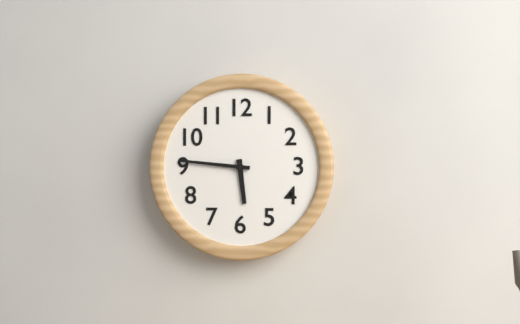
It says 5.46
